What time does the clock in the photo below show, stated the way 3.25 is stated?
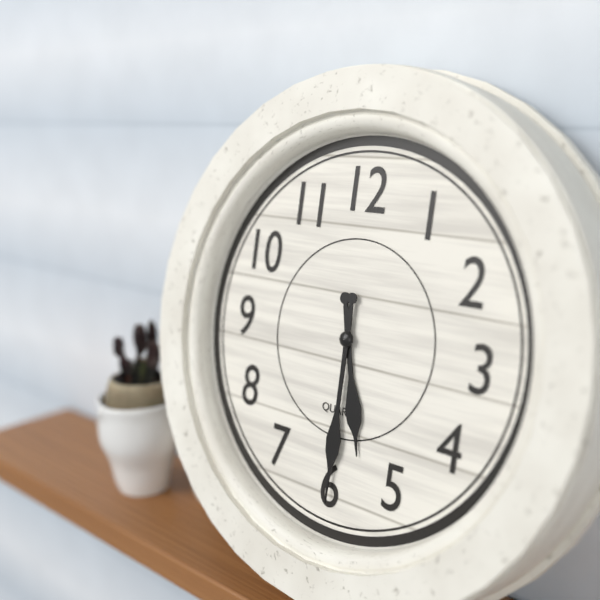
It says 5.30
